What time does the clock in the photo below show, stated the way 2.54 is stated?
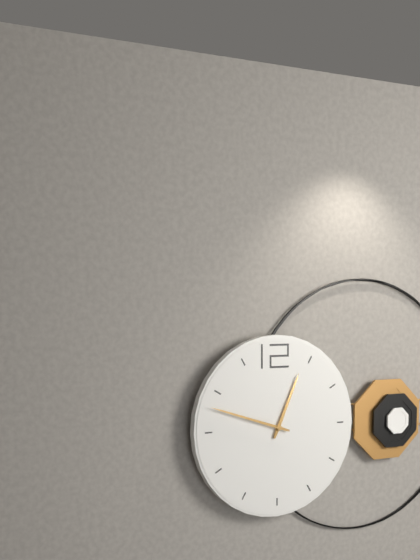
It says 12.48
